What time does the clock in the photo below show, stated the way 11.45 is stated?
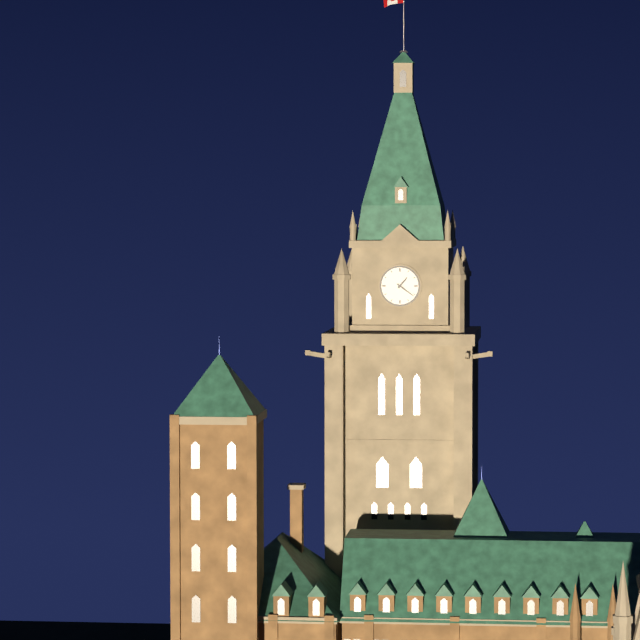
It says 1.21
